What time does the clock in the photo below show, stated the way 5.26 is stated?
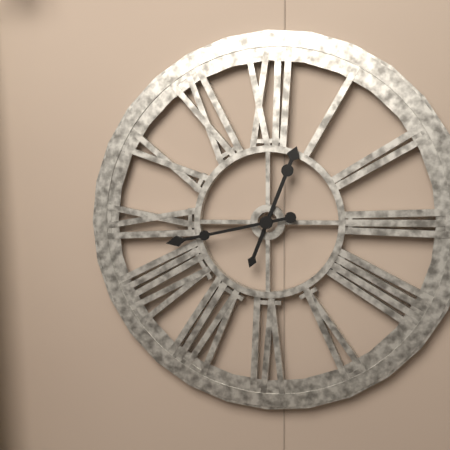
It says 12.43
